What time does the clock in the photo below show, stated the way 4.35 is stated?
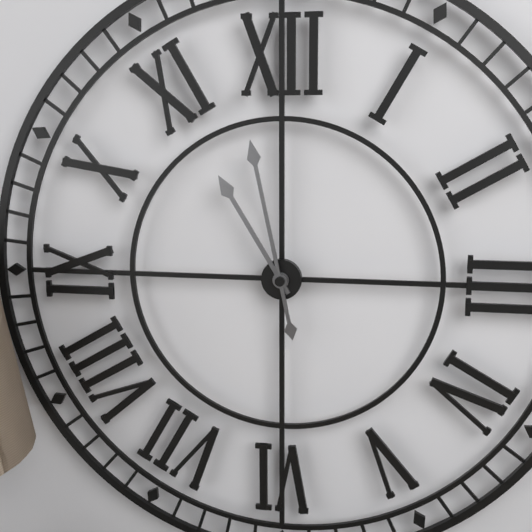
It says 10.58
